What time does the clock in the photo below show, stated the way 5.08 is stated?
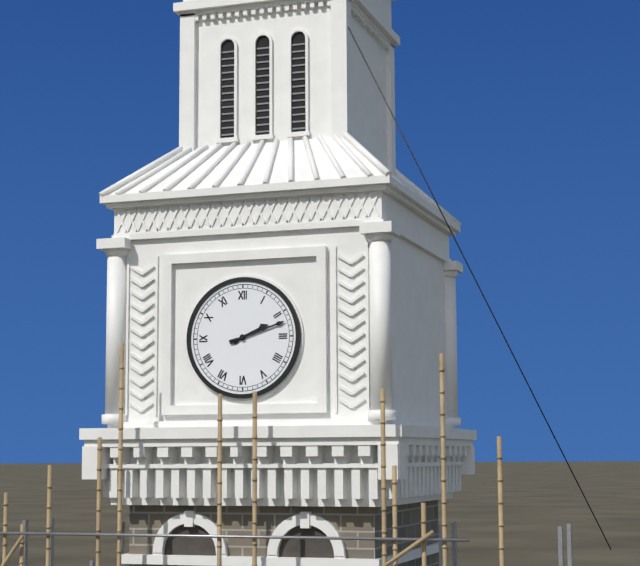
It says 2.12
